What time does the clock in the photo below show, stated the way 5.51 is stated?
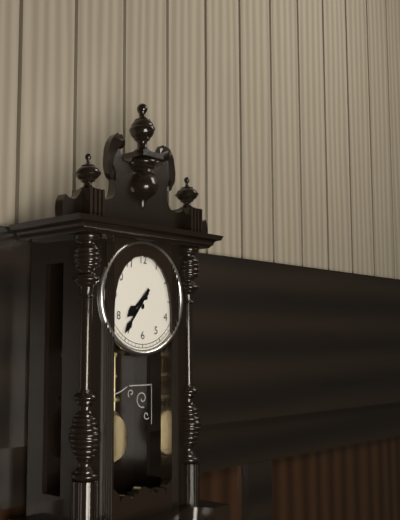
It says 7.36
